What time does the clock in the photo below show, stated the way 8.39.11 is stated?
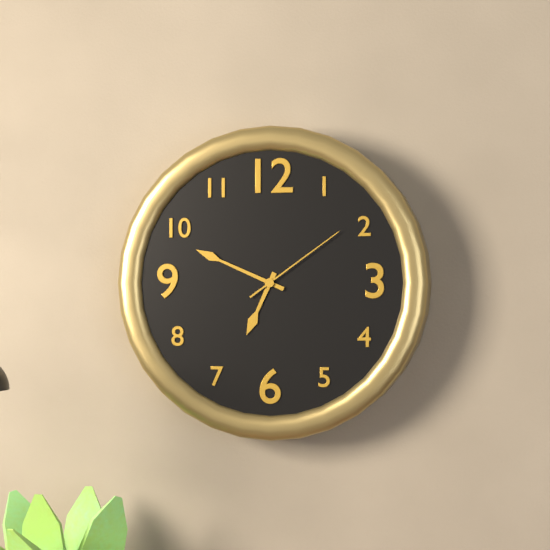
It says 6.49.09
